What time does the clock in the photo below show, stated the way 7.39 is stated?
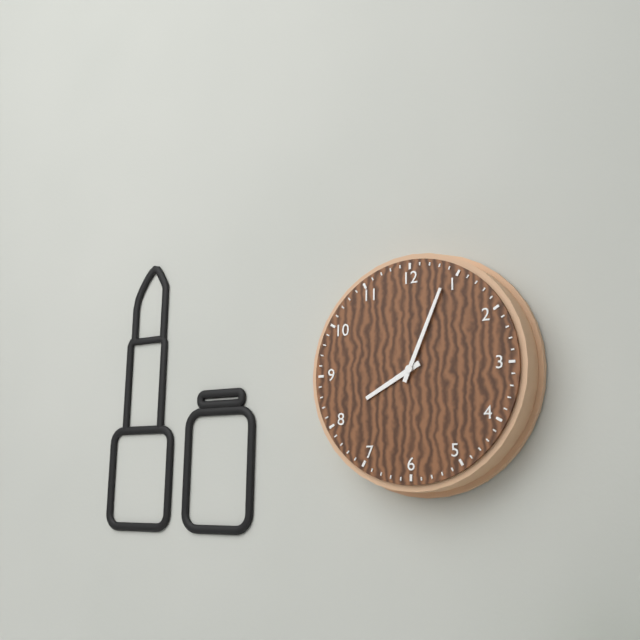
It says 8.04
